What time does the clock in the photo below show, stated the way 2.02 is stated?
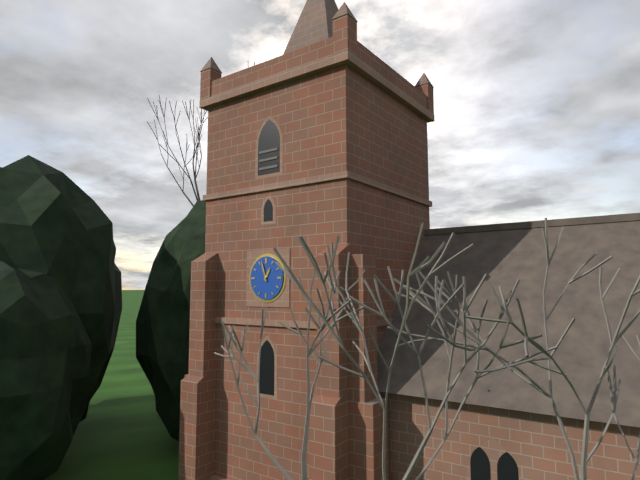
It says 12.57
